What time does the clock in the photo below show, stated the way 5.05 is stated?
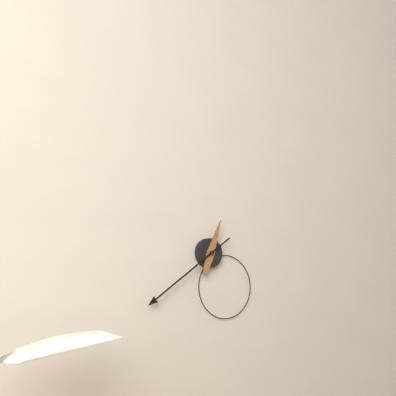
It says 12.39
